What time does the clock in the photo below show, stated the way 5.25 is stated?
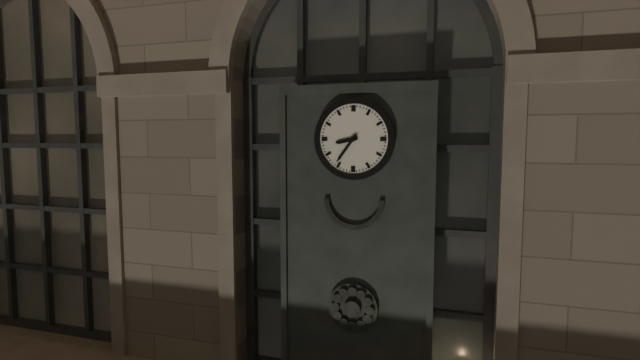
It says 8.36
